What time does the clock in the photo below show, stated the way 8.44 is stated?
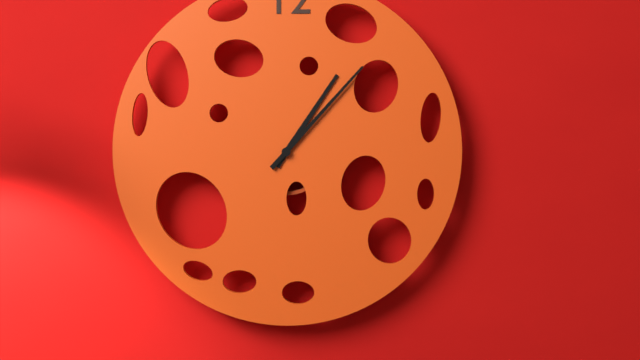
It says 1.07
